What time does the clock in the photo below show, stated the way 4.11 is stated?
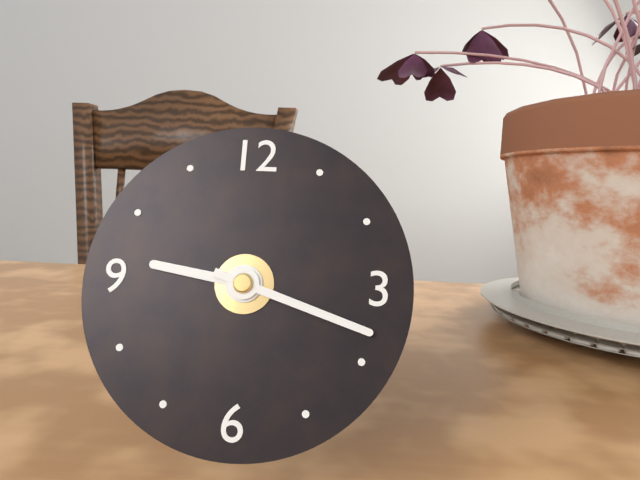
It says 9.18
